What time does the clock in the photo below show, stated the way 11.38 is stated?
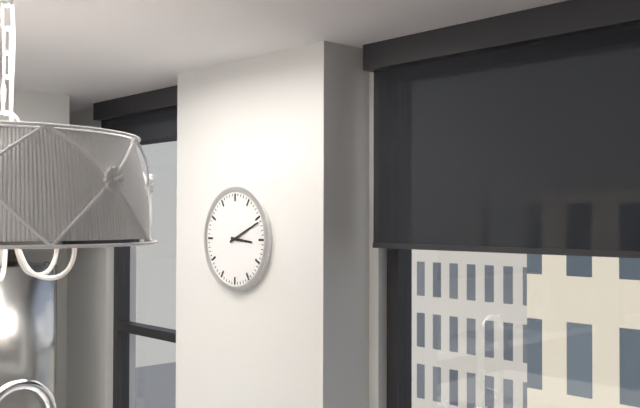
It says 3.11
